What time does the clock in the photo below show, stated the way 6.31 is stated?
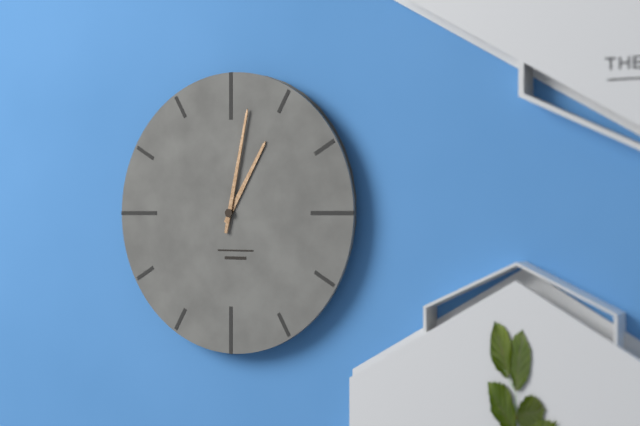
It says 1.02
